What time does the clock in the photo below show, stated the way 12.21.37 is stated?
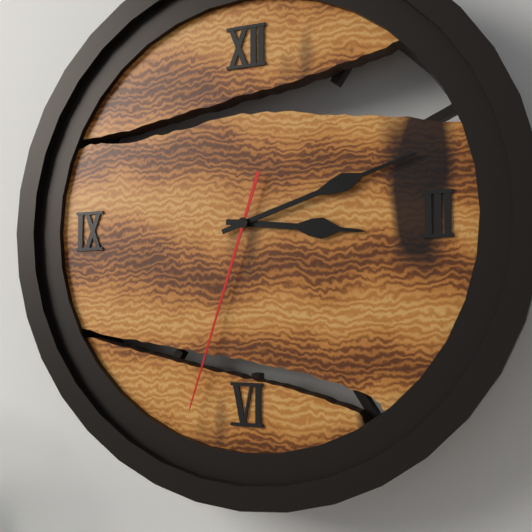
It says 3.12.33
